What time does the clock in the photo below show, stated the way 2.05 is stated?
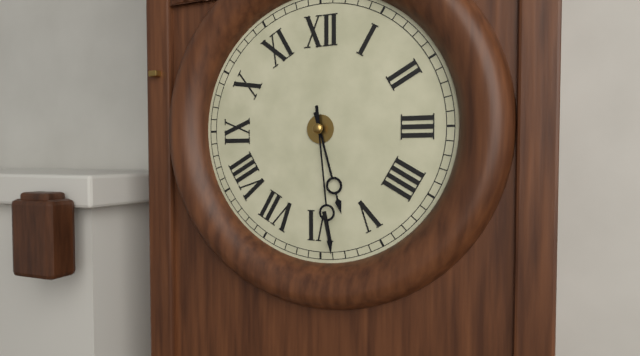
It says 5.29
